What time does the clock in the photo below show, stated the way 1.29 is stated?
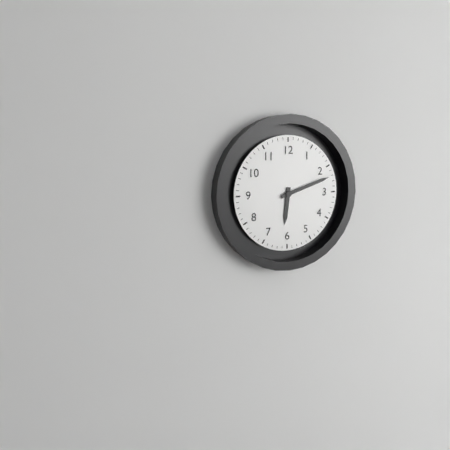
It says 6.12
